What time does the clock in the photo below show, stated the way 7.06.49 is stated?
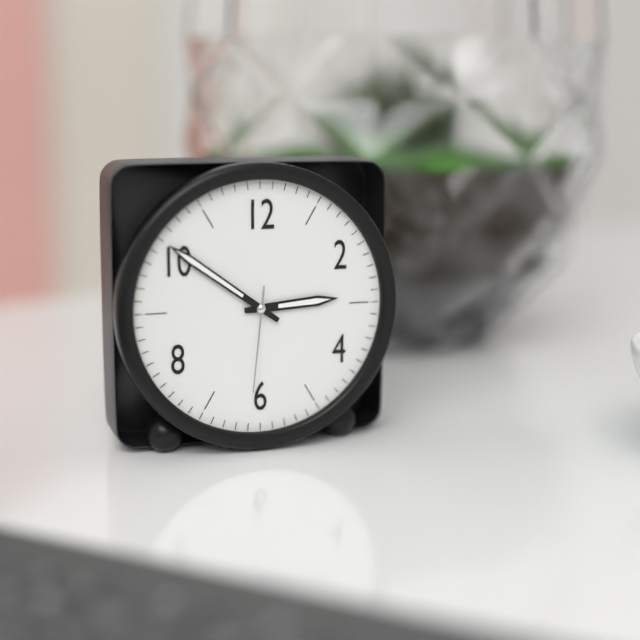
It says 2.51.31
